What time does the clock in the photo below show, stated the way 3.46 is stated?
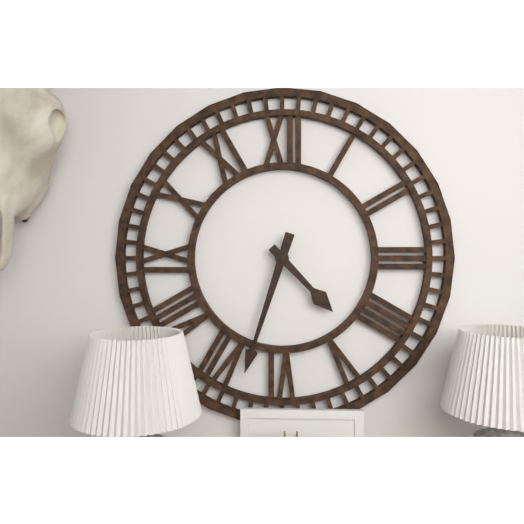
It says 4.33
